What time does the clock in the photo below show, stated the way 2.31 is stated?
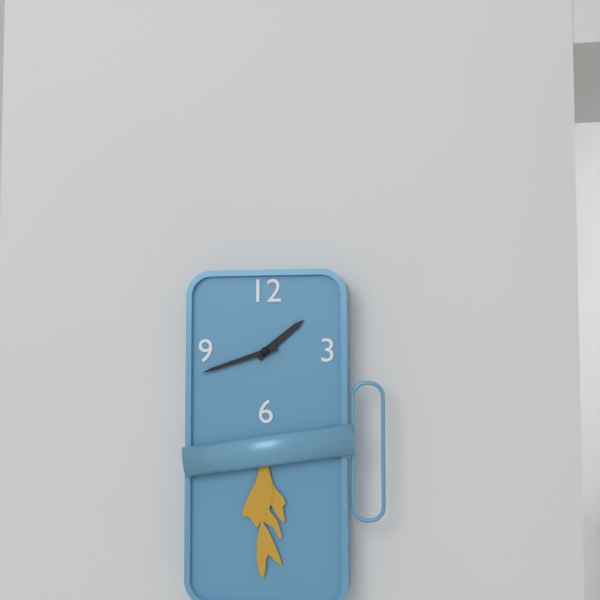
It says 1.42
